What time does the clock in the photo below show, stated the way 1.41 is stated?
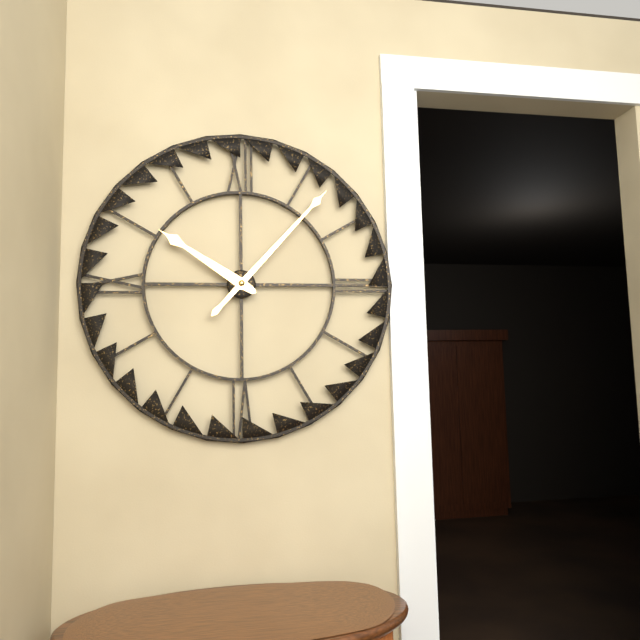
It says 10.07
